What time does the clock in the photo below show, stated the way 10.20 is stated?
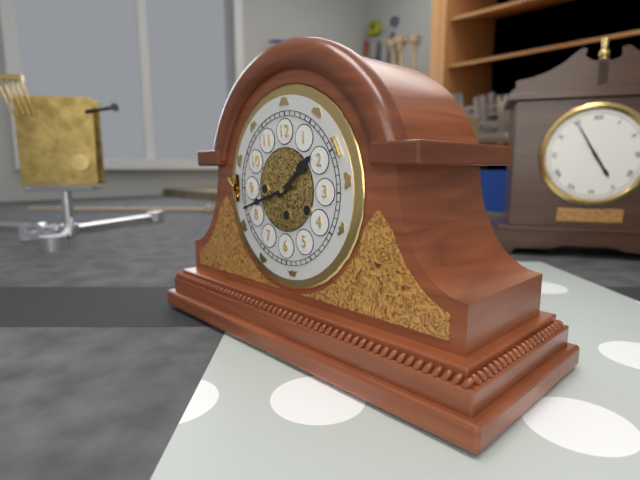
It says 1.42
